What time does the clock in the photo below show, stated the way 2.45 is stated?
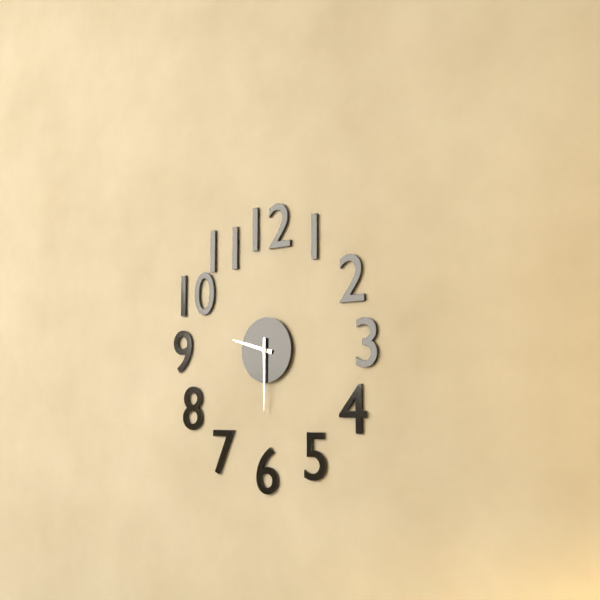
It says 9.30
